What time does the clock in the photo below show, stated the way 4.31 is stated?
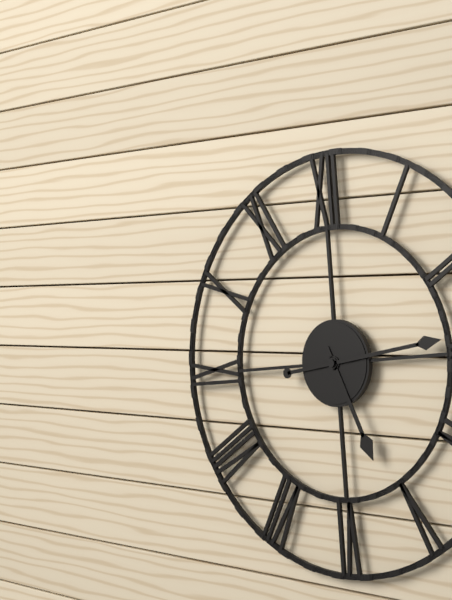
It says 5.14
